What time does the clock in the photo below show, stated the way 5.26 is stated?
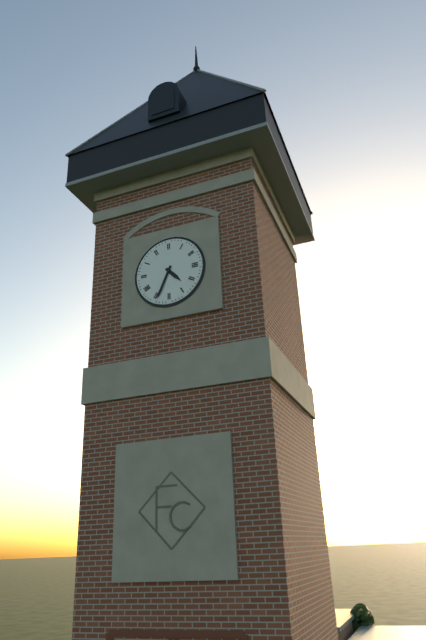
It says 4.34
